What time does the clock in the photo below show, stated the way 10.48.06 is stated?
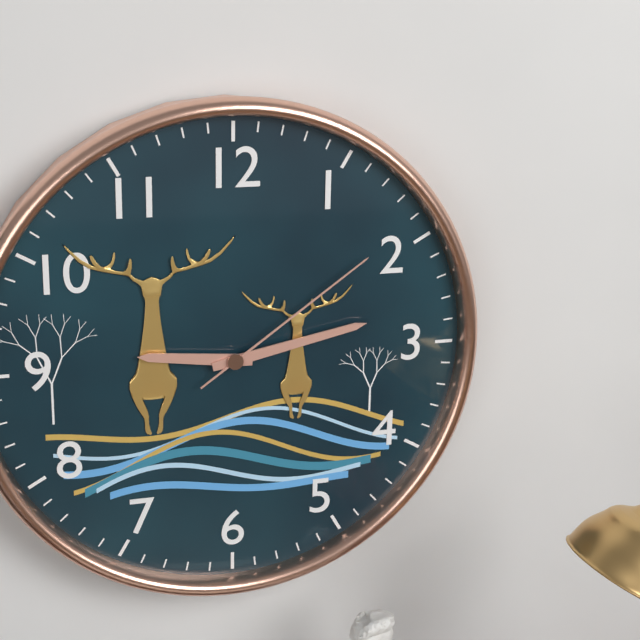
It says 9.13.09
